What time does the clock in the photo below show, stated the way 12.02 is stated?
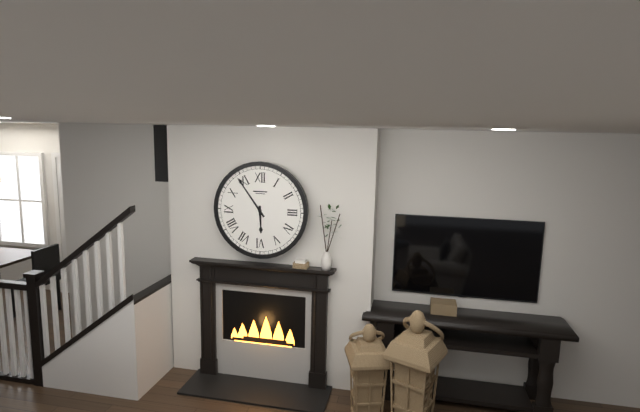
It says 5.54
